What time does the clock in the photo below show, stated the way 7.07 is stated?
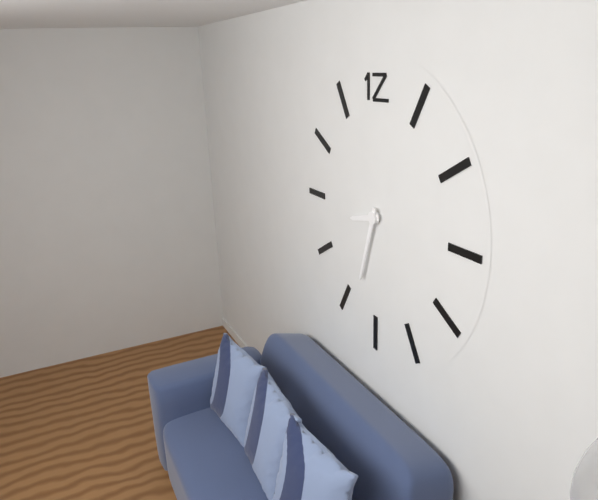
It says 8.33
